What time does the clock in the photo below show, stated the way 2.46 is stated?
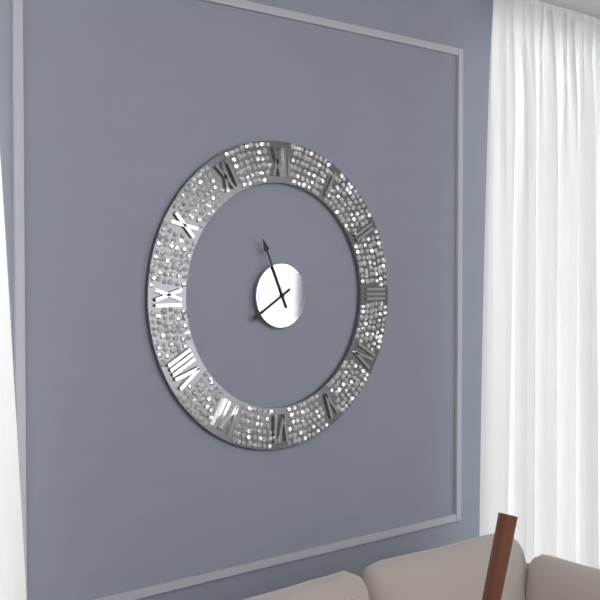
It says 7.56
